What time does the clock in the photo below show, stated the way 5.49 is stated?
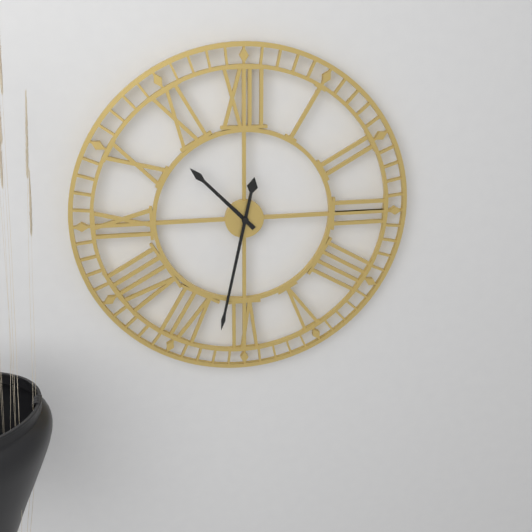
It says 10.32
